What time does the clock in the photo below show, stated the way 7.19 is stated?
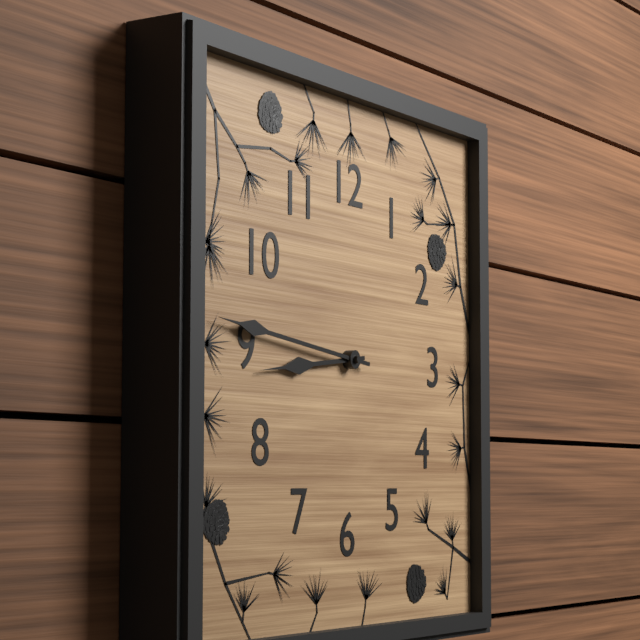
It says 8.46
